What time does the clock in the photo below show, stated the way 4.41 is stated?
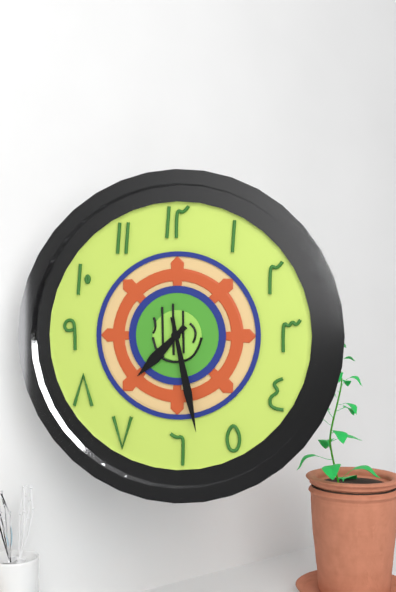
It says 7.28
